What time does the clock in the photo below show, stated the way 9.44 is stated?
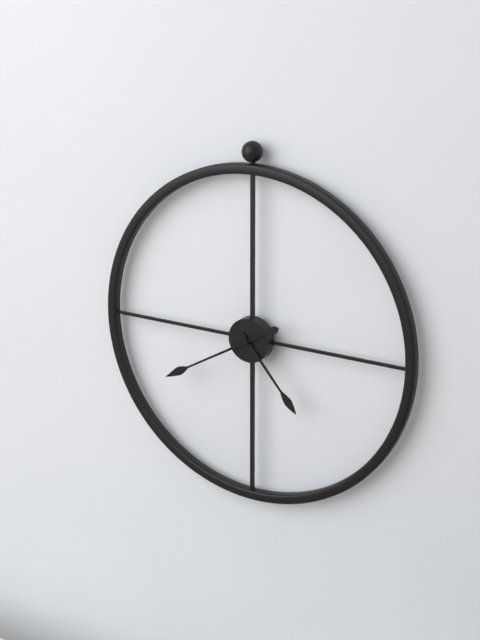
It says 4.40
